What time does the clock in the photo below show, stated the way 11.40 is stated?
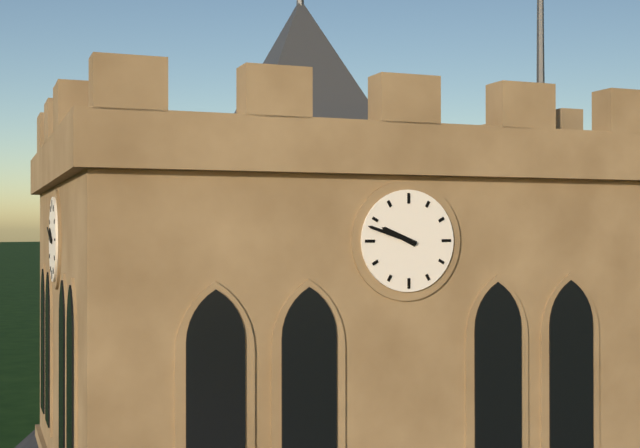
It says 9.48
